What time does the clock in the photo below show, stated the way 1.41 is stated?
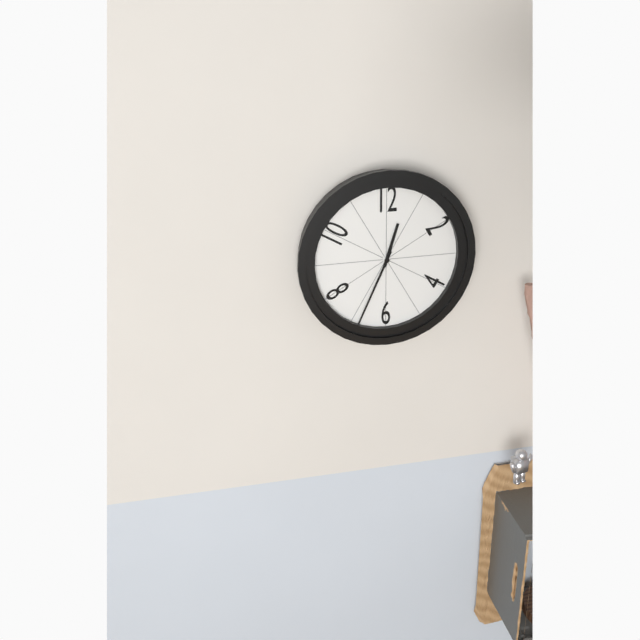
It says 12.34
